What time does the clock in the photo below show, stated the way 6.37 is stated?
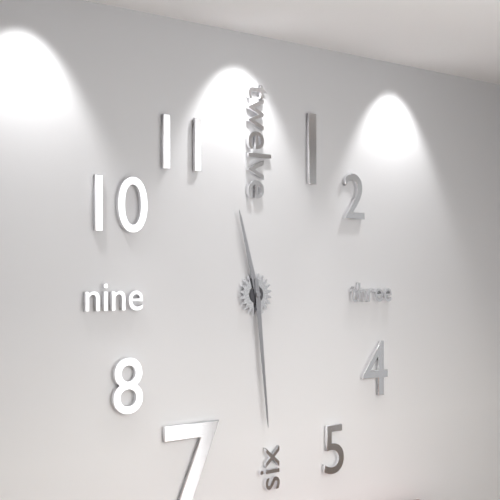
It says 11.29
